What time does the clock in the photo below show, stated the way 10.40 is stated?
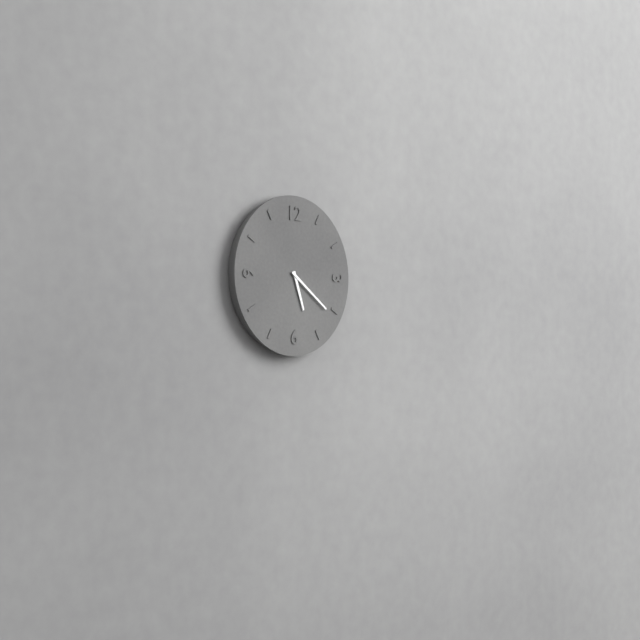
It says 5.21
